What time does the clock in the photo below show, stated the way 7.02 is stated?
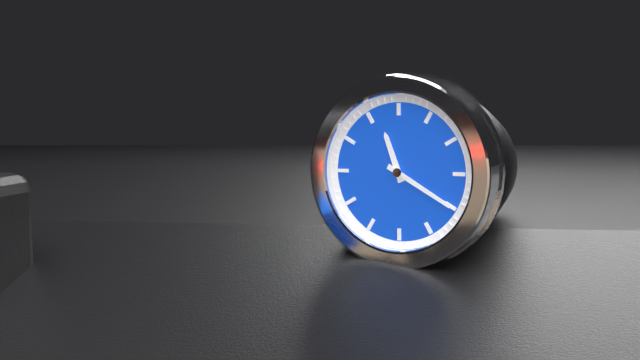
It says 11.20
